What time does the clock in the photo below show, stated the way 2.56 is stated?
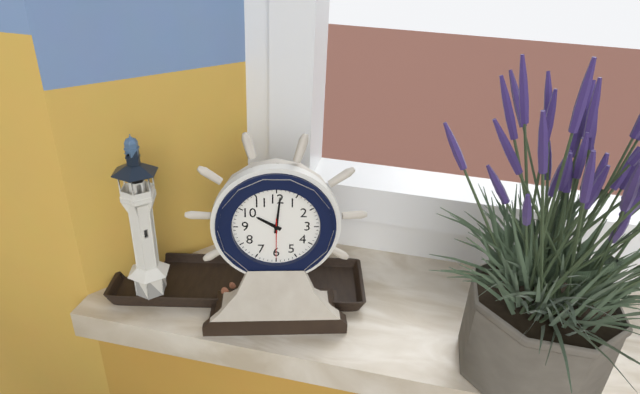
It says 10.01
